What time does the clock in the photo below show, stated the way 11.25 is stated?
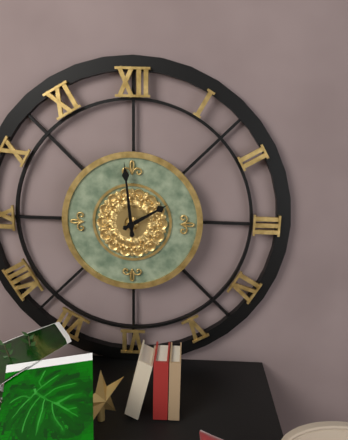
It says 1.59
